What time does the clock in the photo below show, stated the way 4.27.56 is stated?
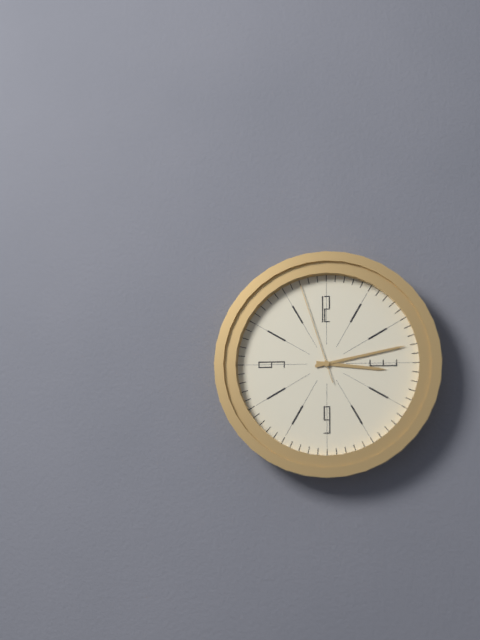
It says 3.13.57
